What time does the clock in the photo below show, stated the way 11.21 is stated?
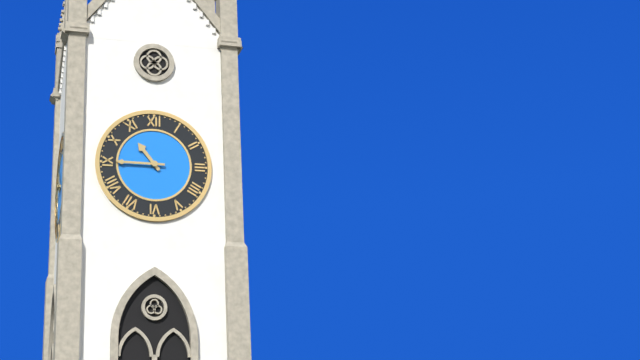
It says 10.45
